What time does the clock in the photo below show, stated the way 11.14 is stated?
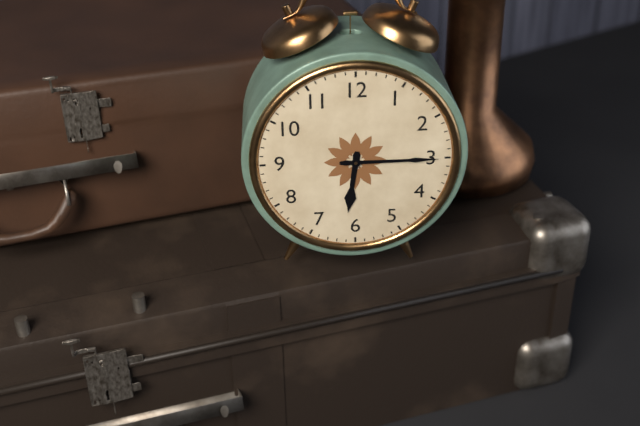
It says 6.15
